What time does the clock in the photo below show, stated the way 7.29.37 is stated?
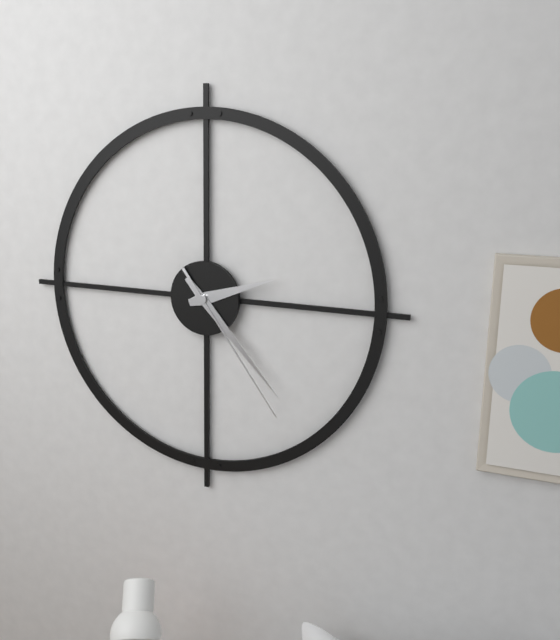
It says 2.23.24
